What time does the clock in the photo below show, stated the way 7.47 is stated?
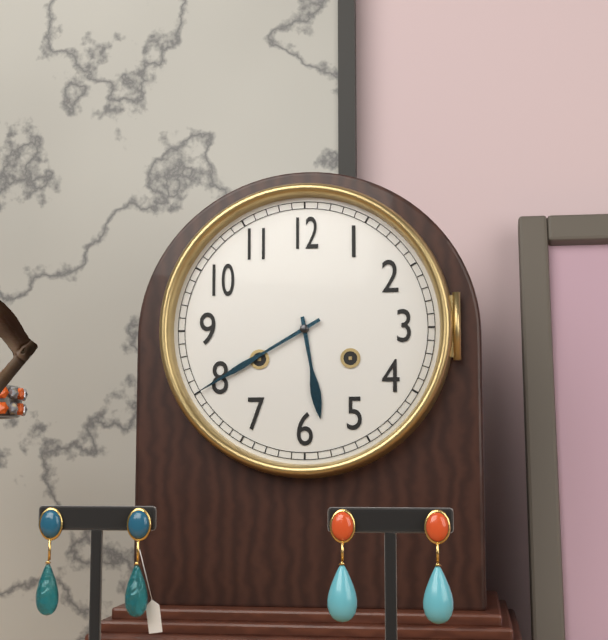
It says 5.40
